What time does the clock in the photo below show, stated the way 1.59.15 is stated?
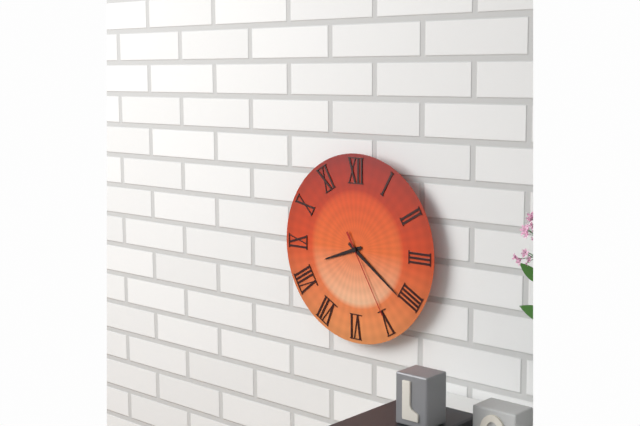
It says 8.21.25
